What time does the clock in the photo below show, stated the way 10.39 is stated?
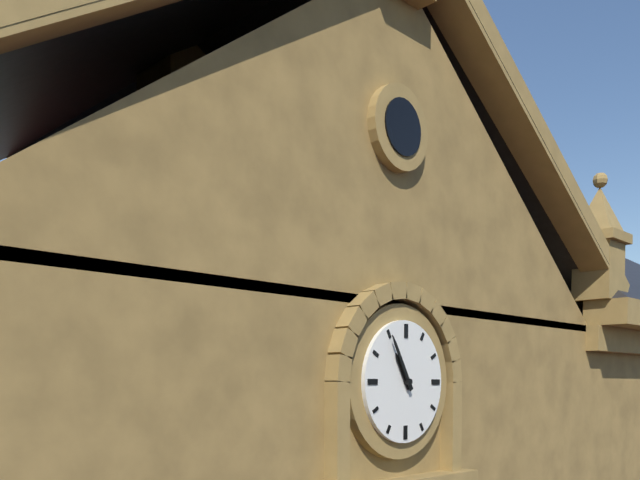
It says 10.55
